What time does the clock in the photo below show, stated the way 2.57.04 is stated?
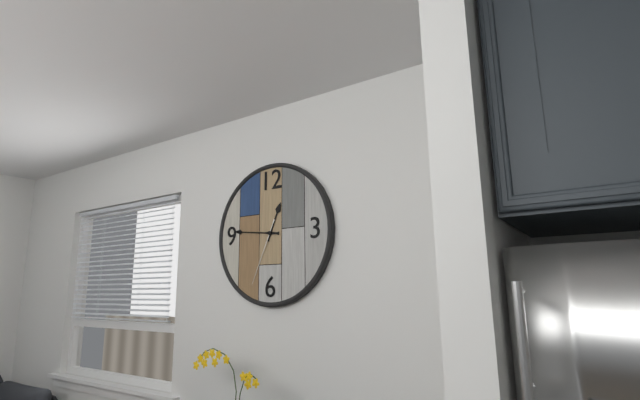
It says 12.46.34
